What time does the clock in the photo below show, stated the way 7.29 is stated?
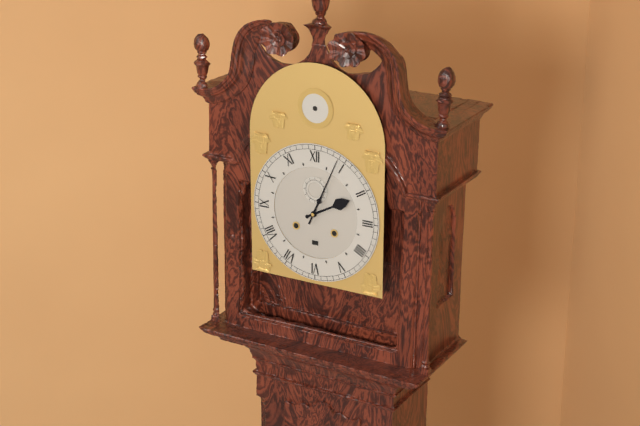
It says 2.04
